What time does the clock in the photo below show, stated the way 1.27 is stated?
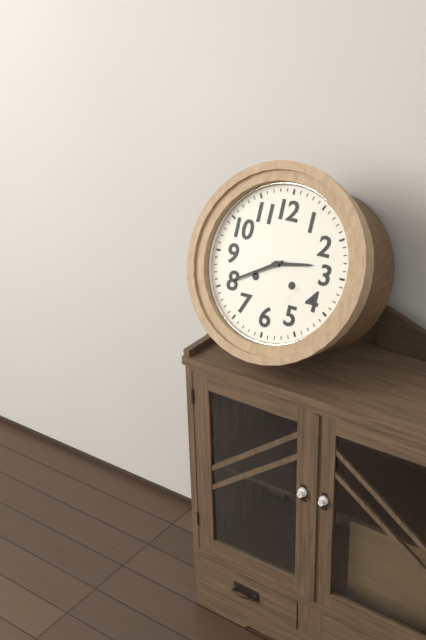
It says 2.40
